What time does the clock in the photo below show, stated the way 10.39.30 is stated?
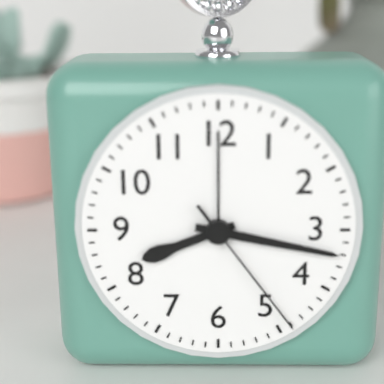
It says 8.17.24
